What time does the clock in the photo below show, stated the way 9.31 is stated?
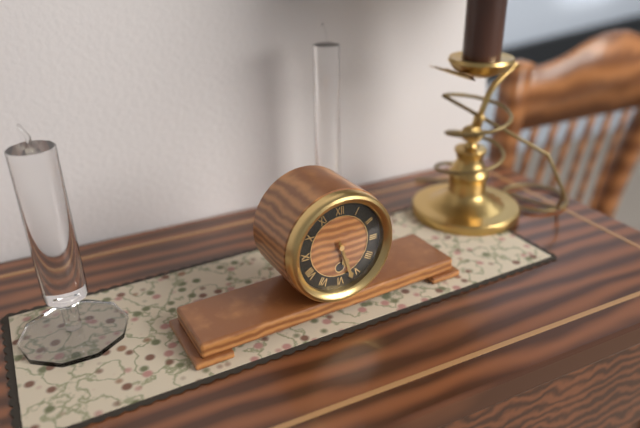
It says 5.27
